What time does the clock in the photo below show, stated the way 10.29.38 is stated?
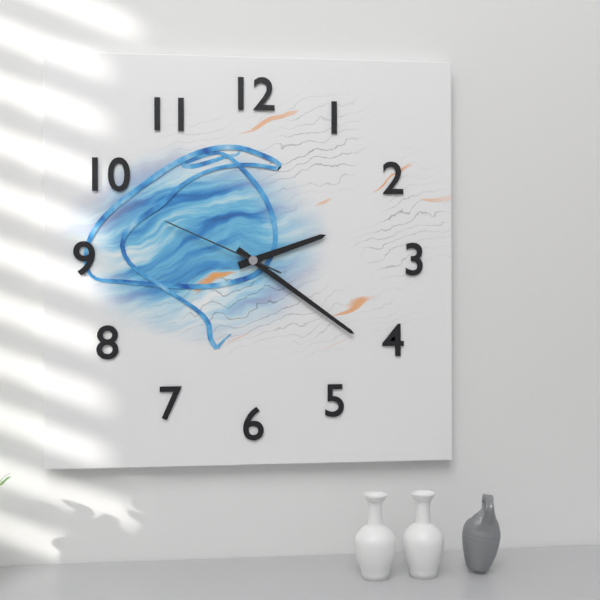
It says 2.21.49
